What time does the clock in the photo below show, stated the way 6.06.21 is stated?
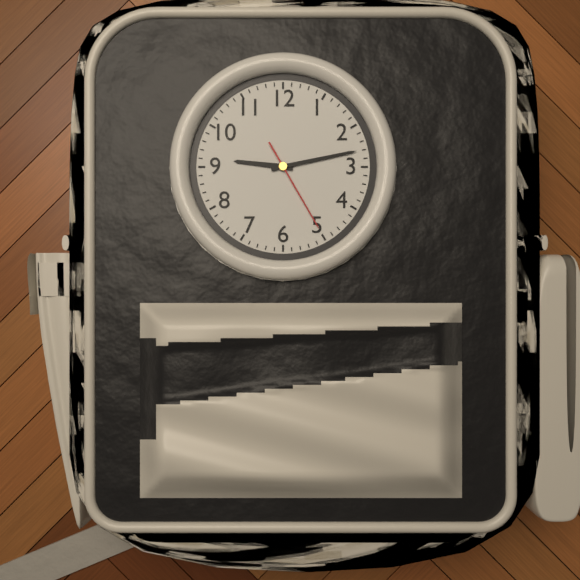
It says 9.13.25
